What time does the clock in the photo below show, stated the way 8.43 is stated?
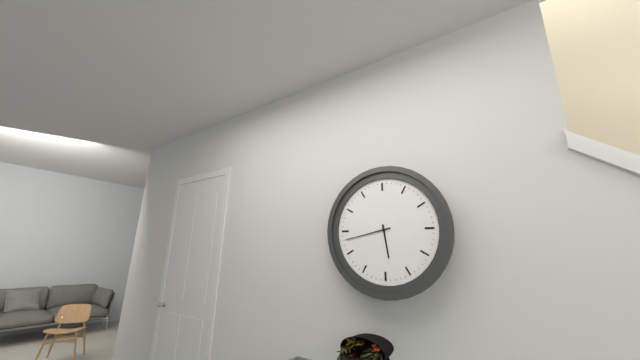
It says 5.43
